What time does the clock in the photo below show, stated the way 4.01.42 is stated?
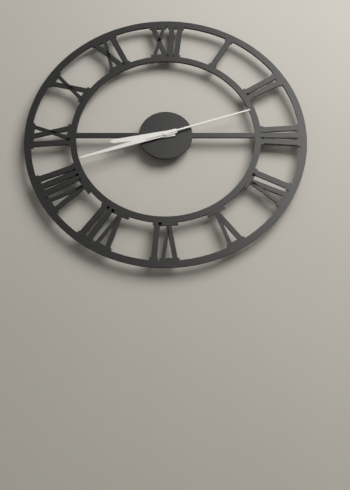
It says 8.42.12
